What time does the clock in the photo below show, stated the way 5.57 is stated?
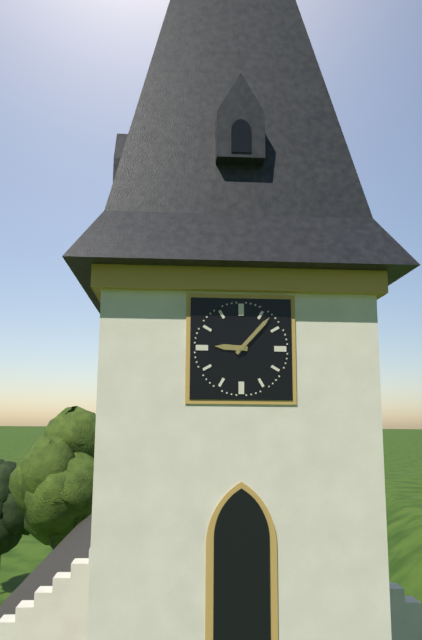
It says 9.07
